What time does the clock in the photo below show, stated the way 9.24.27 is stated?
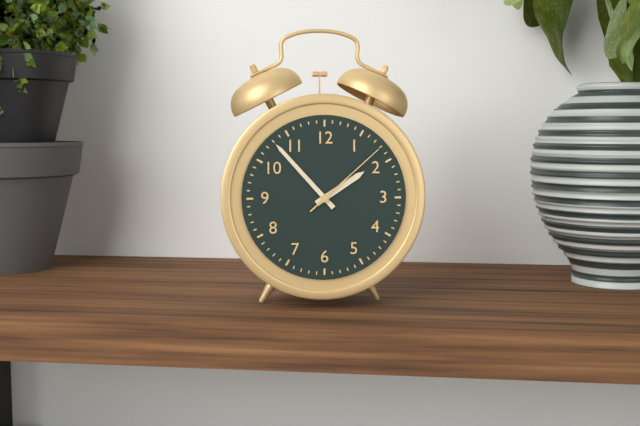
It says 1.53.08
